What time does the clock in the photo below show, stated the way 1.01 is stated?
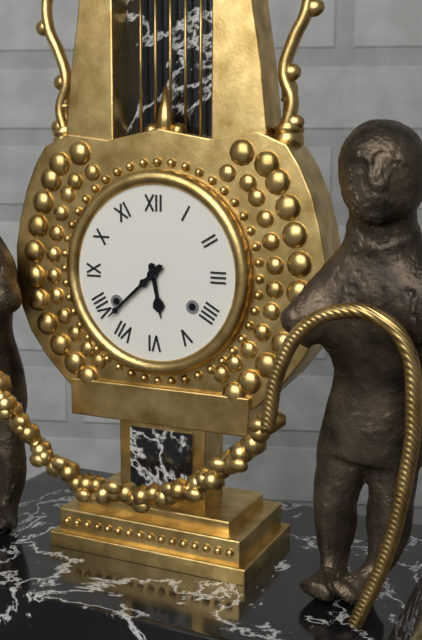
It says 5.38
